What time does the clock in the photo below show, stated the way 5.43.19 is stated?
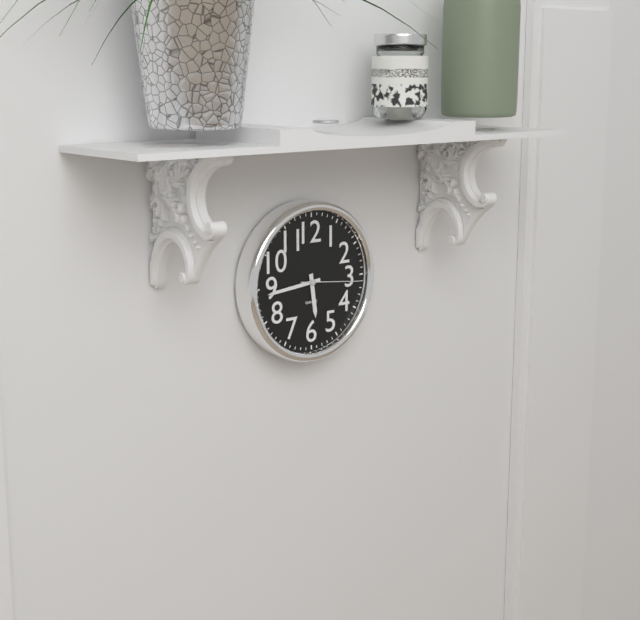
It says 5.44.16
